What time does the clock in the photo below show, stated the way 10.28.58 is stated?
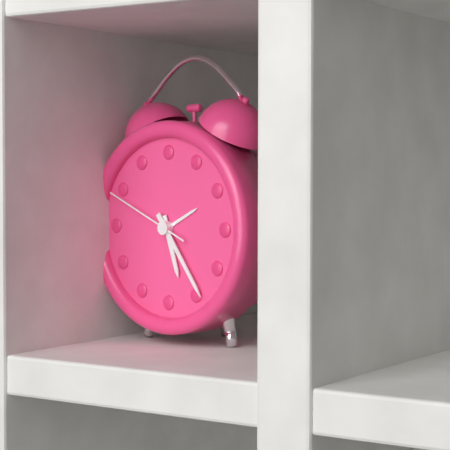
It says 5.24.49
